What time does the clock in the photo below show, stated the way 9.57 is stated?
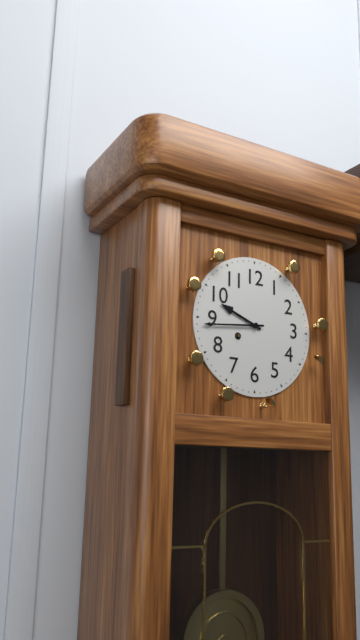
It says 9.44
